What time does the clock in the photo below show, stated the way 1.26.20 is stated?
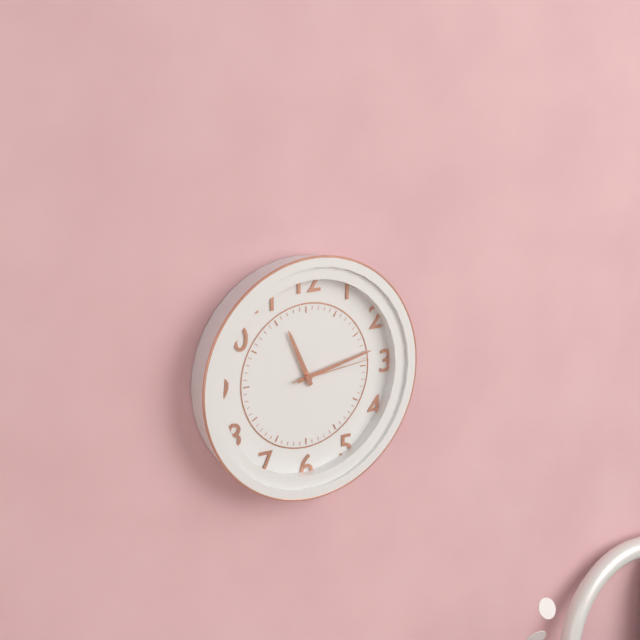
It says 11.13.14
